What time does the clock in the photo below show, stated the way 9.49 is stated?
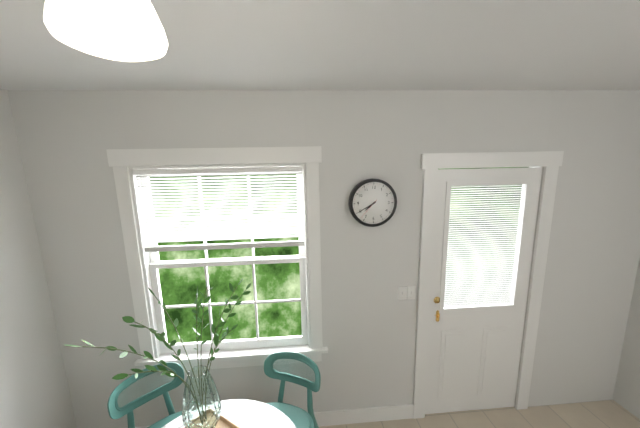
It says 7.40
